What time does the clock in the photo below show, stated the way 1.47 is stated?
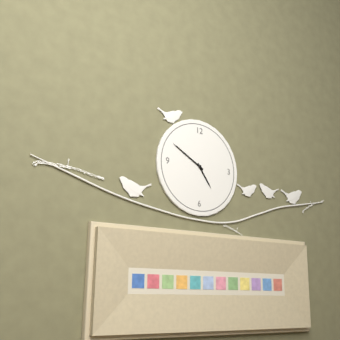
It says 4.50
